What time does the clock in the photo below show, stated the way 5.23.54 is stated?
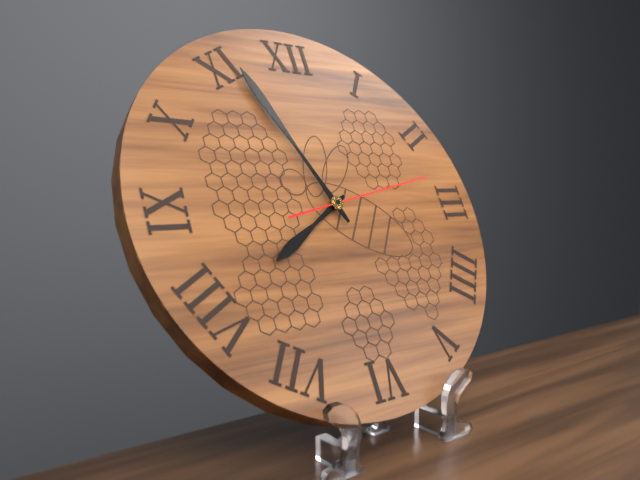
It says 7.56.13
